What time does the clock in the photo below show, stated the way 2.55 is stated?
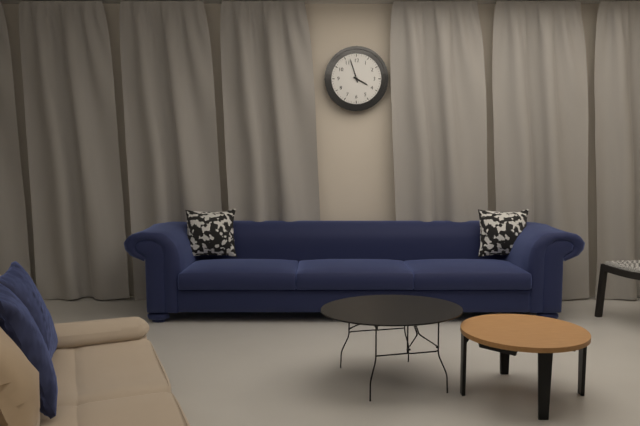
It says 3.57
